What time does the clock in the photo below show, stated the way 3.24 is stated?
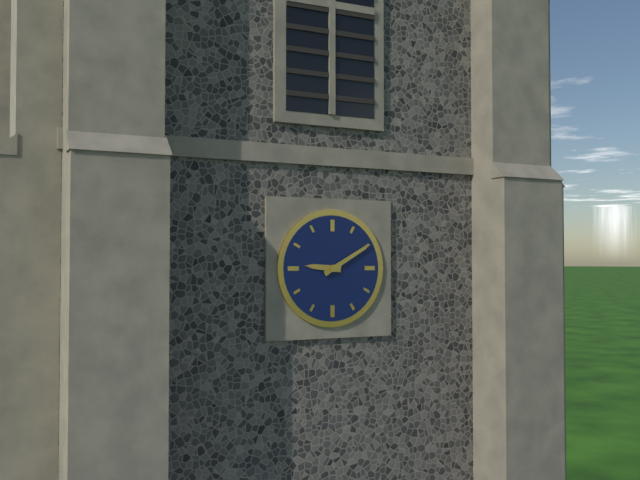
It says 9.10
